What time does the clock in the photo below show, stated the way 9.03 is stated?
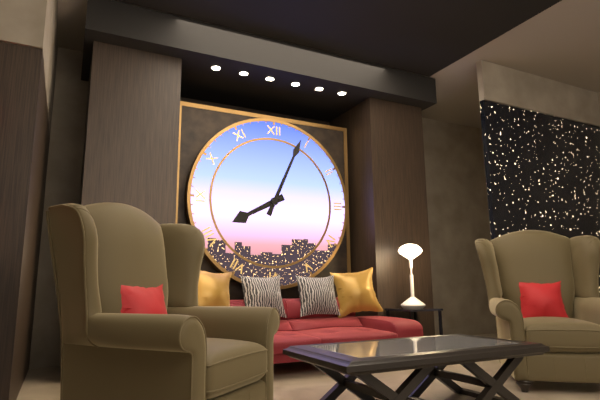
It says 8.04
